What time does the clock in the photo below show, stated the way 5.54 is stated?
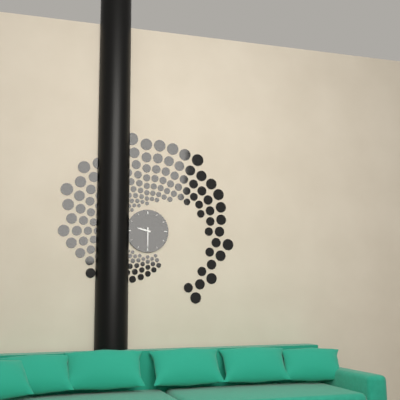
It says 9.30
